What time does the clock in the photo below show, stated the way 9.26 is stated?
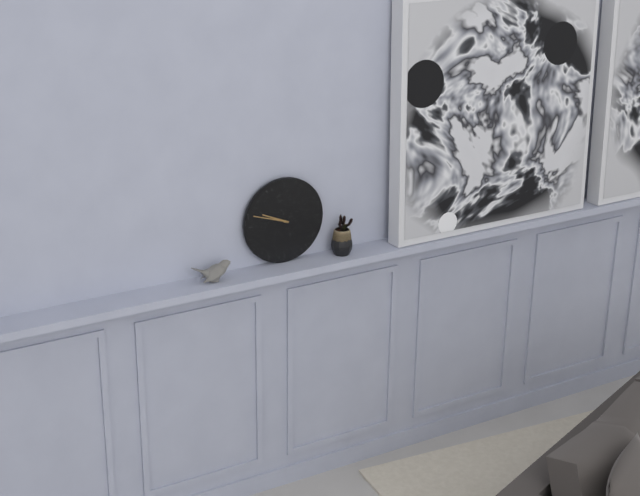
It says 9.48
